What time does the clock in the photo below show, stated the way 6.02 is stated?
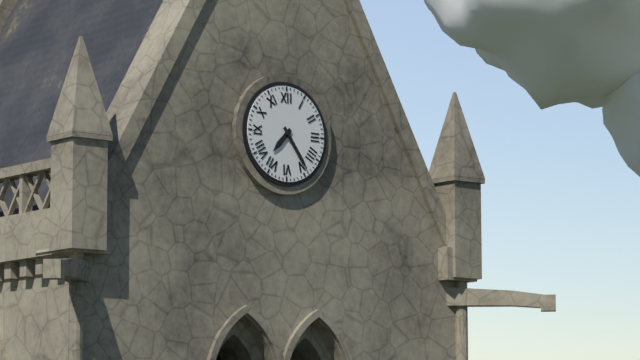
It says 7.24
